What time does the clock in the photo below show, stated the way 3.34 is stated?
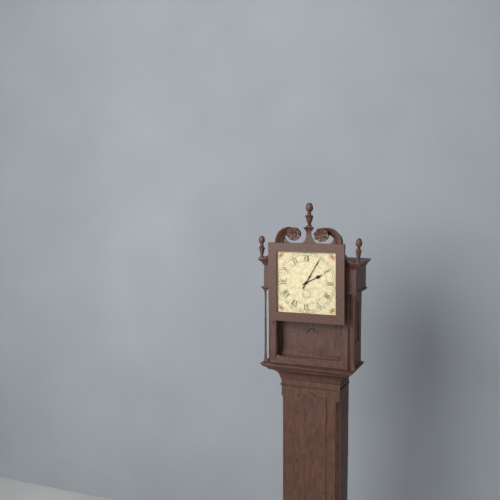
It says 2.05
